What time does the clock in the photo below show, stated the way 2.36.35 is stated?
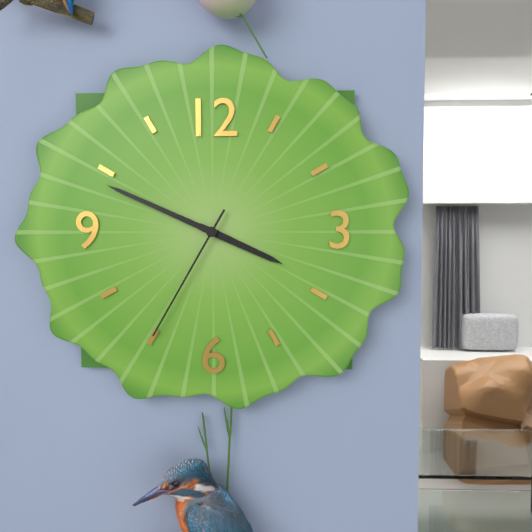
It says 3.49.35
